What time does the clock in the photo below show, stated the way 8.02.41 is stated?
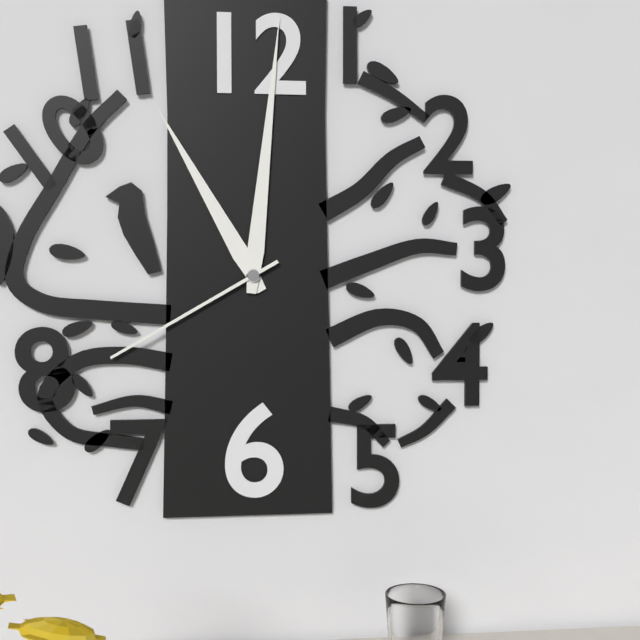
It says 11.01.40
